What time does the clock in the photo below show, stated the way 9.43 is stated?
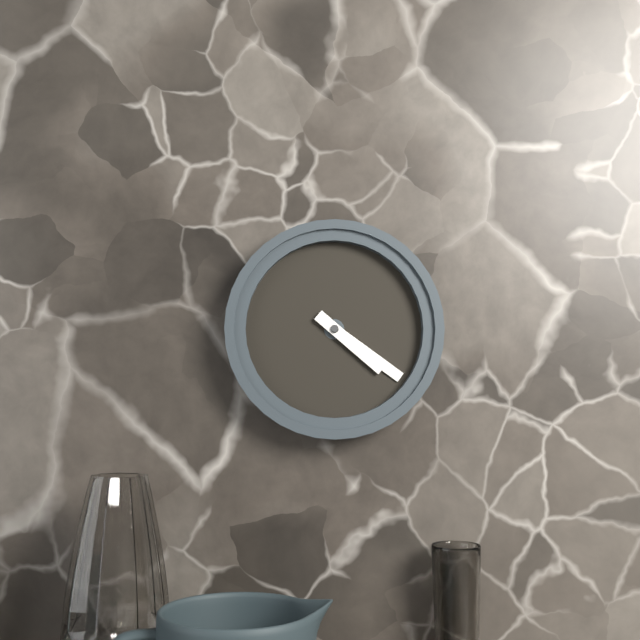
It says 4.21
